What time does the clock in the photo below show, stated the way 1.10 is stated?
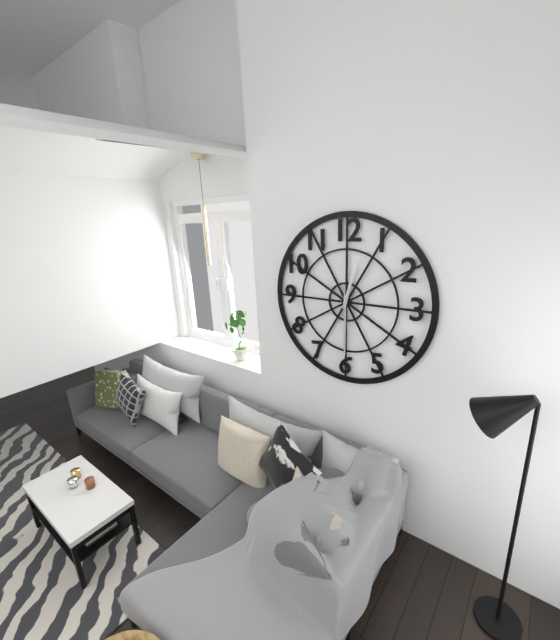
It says 12.30
